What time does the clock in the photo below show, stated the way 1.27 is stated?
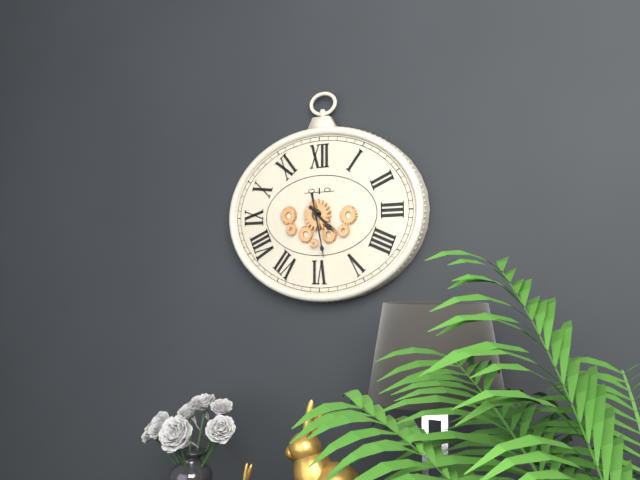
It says 4.28
